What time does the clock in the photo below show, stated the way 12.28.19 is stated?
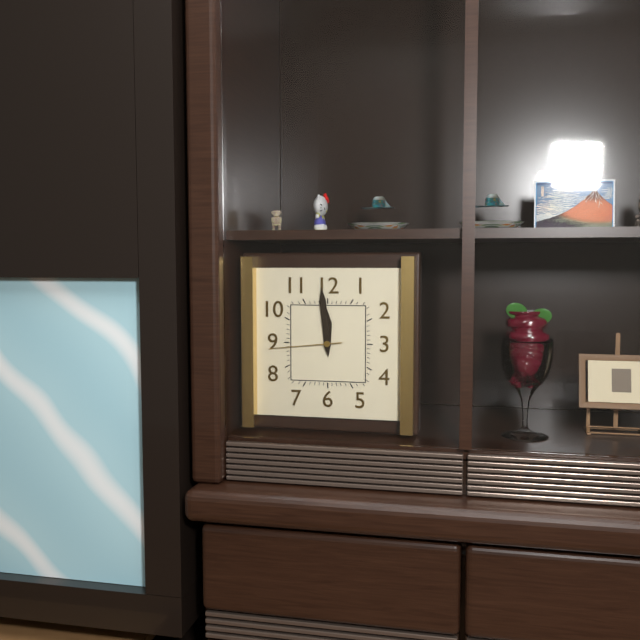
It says 11.59.44
